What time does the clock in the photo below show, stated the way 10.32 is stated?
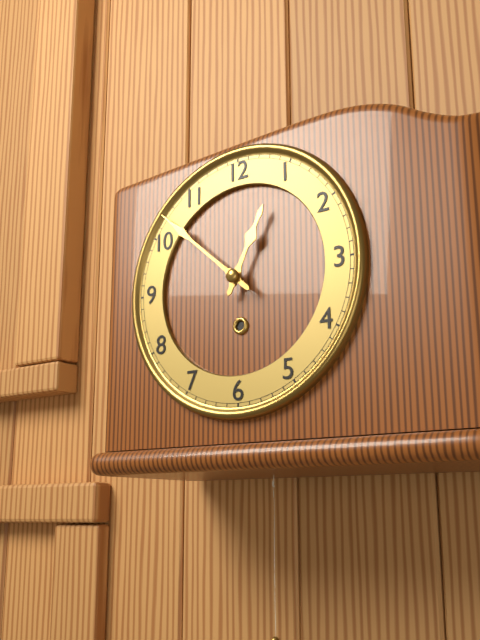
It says 12.52
